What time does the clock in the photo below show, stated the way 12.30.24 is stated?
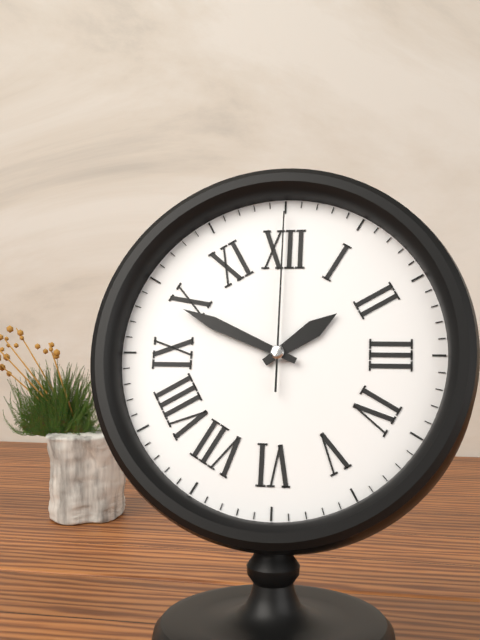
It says 1.49.00
